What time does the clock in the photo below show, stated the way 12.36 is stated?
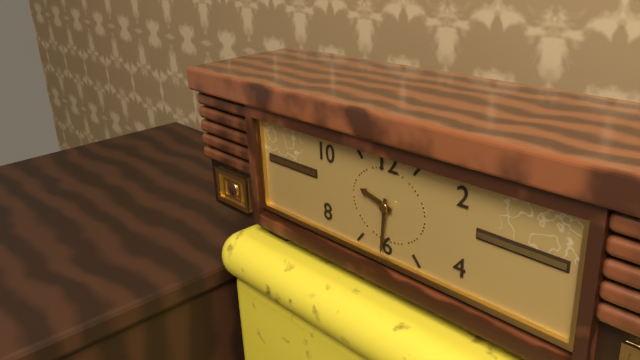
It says 9.31
